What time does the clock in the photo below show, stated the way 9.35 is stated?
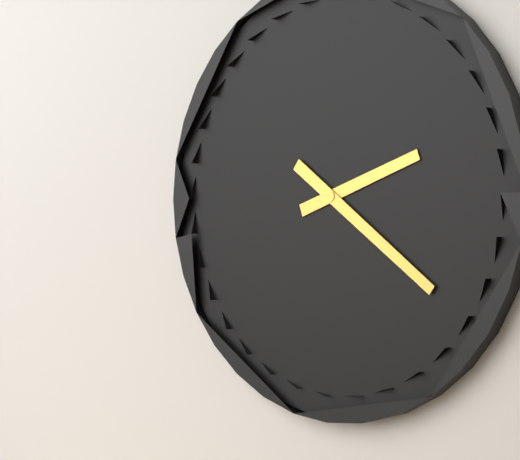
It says 2.21
